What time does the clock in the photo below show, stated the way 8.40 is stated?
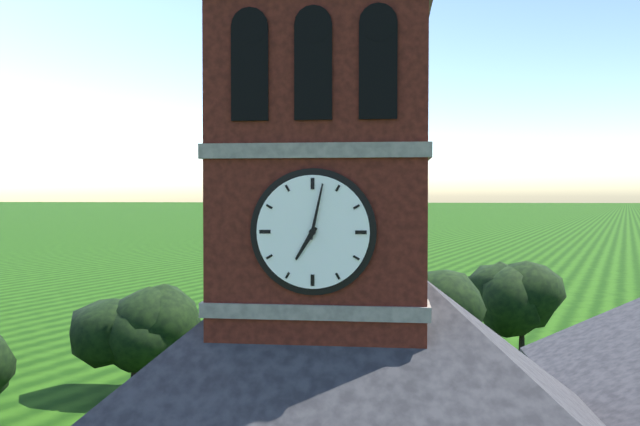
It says 7.02
